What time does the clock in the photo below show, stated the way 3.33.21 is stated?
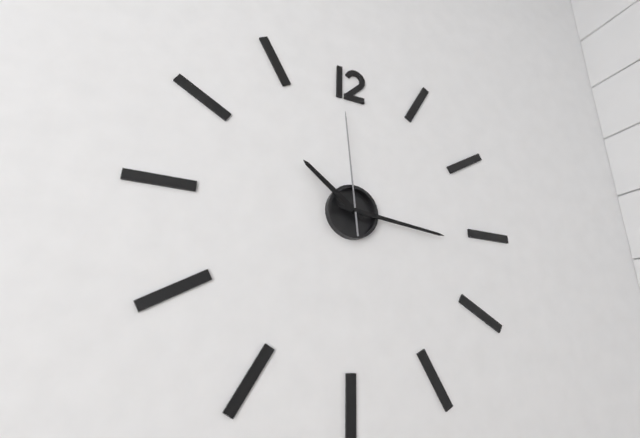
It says 10.16.59
